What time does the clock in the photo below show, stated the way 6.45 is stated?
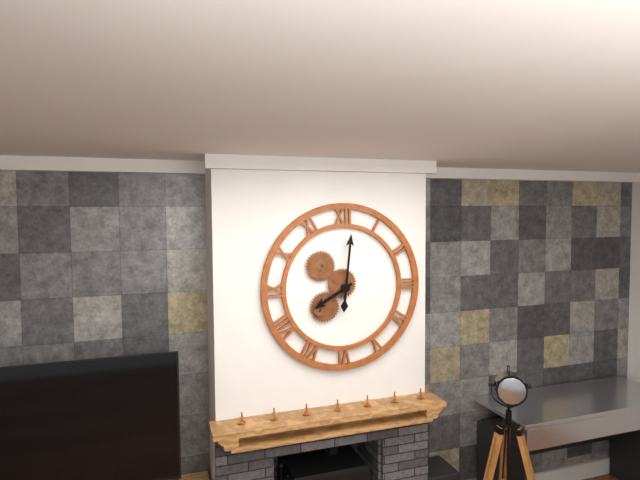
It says 8.01
